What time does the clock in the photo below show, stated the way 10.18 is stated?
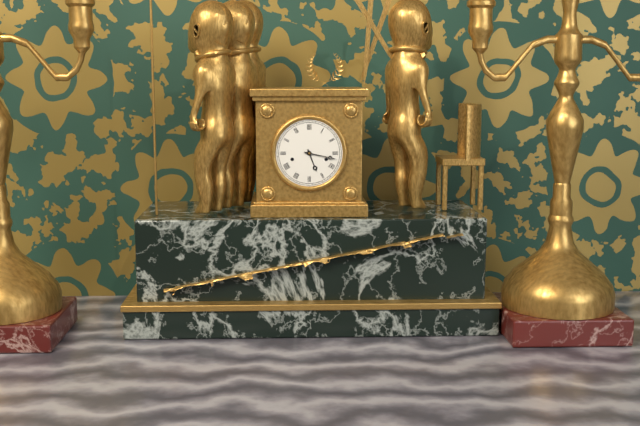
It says 5.17
